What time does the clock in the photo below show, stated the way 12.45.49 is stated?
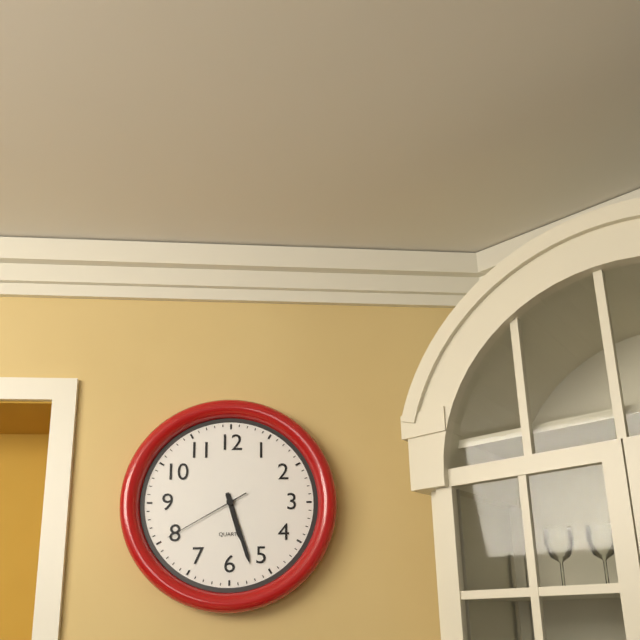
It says 5.27.40
